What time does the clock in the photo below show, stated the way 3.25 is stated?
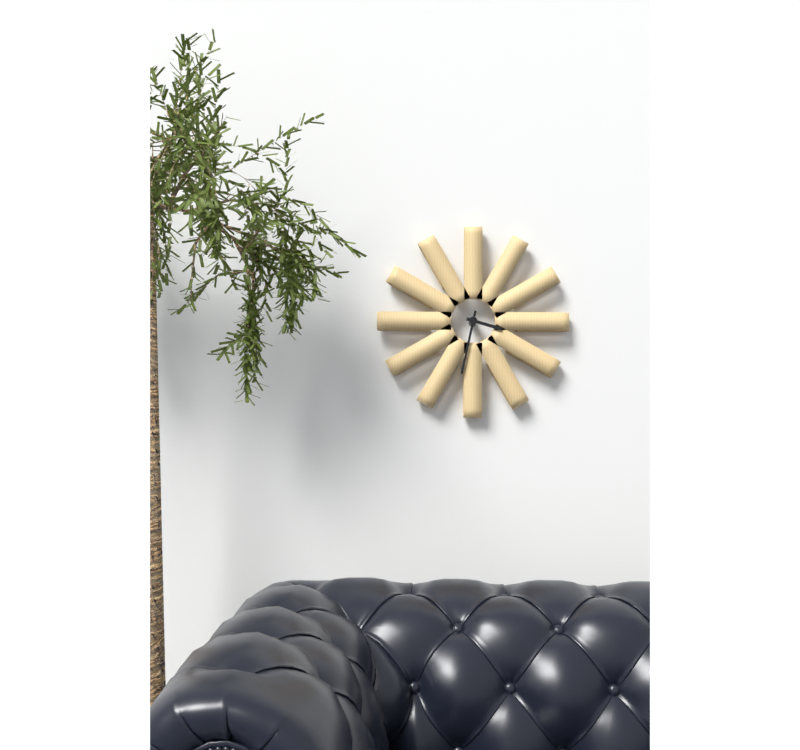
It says 3.32
